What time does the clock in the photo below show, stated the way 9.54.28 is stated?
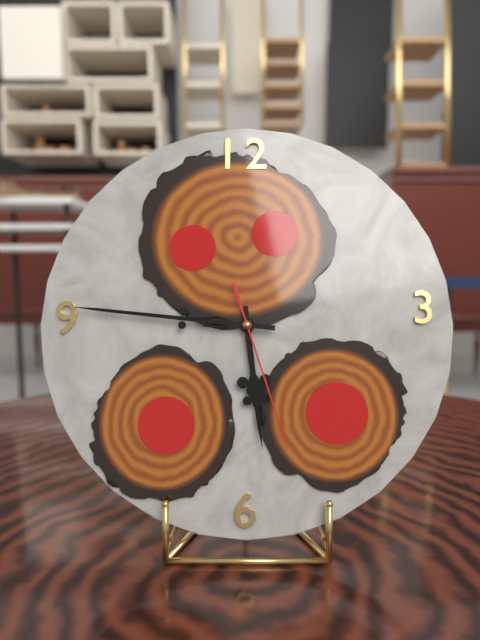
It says 5.46.27
